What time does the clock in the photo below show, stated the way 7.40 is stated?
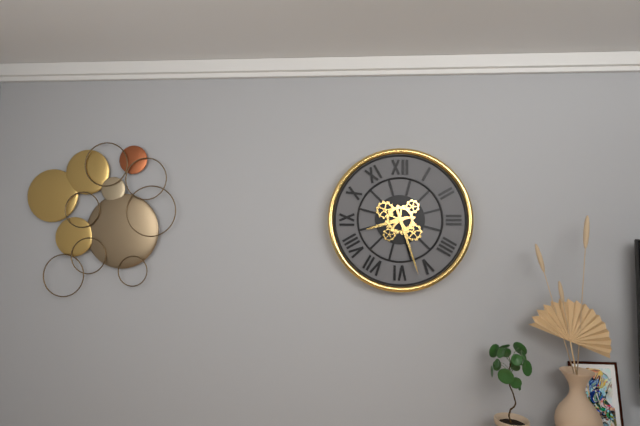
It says 8.27
